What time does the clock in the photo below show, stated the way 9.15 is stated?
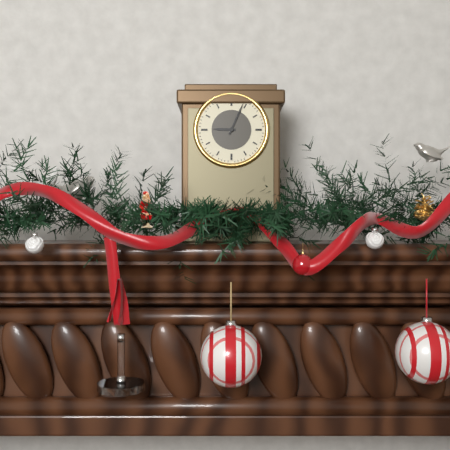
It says 9.04
